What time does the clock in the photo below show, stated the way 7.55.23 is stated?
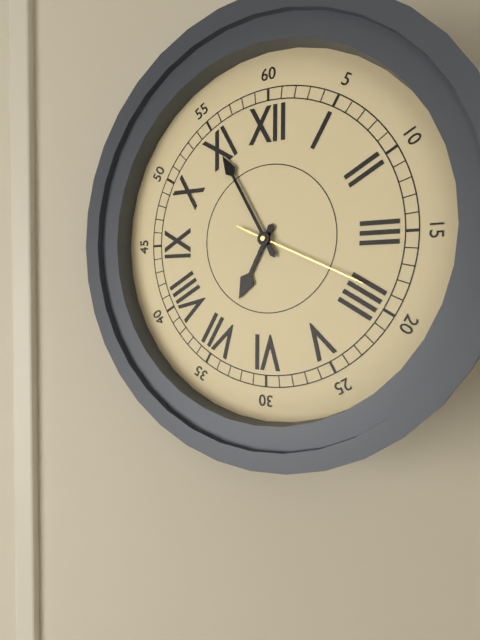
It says 6.55.19
